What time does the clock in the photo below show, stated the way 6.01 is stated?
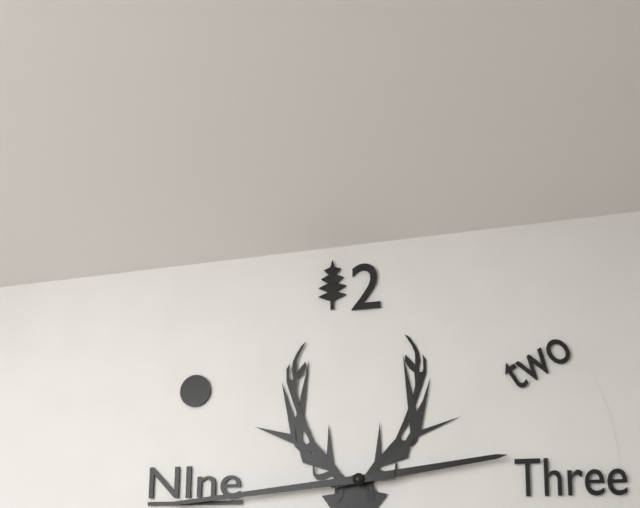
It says 2.44
